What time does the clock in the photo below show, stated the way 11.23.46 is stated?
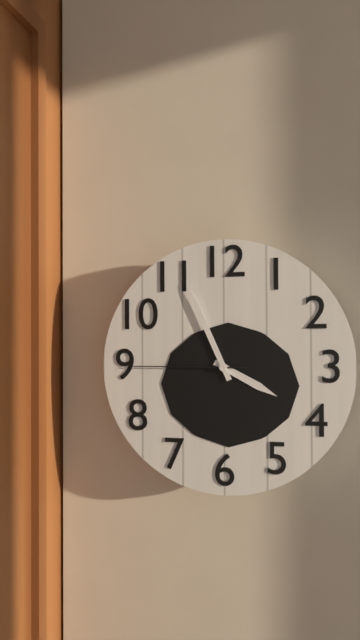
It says 3.56.45
